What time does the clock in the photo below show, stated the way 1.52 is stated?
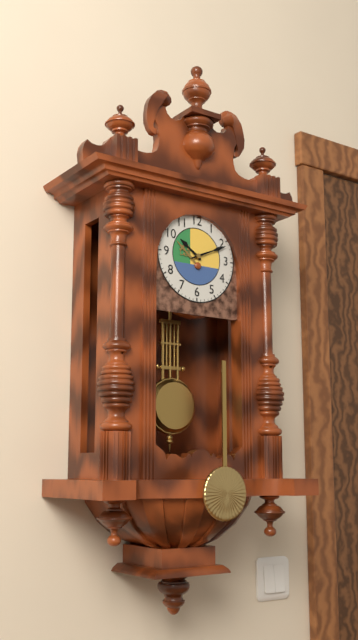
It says 10.11
